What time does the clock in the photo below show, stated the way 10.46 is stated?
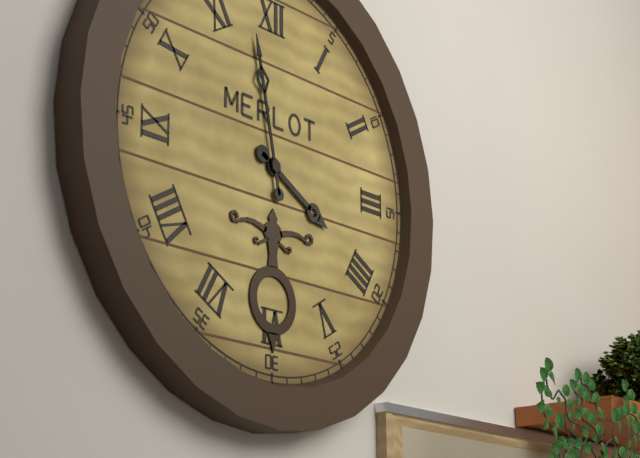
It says 3.58
